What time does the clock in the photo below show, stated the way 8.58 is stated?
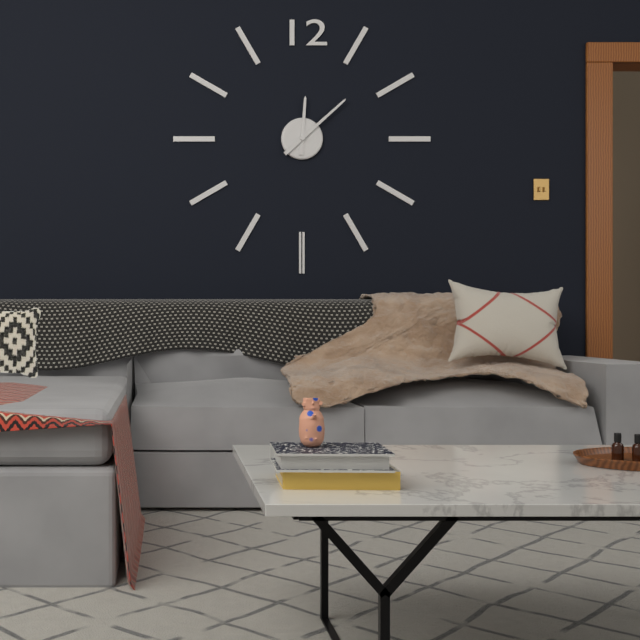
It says 12.08
